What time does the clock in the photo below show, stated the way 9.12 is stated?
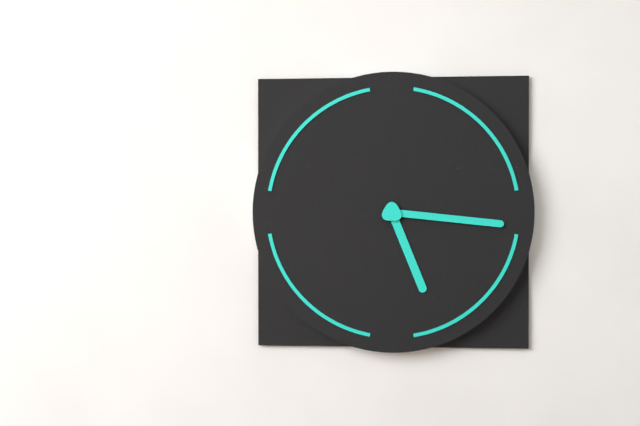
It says 5.16
